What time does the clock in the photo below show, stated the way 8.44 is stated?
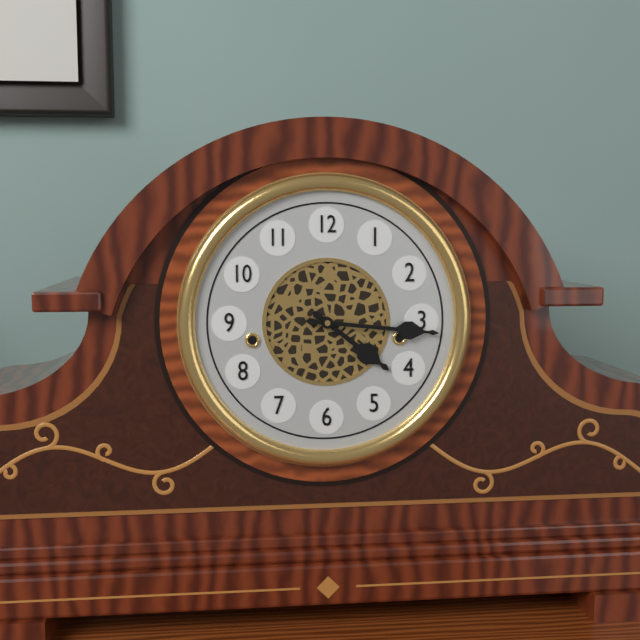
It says 4.16
